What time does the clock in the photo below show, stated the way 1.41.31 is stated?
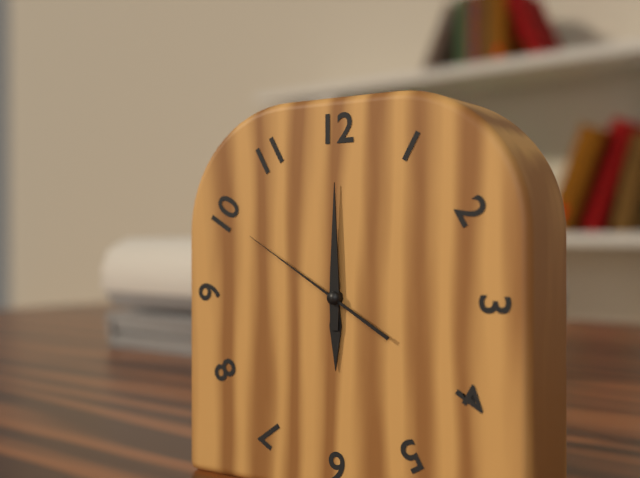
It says 6.00.50
